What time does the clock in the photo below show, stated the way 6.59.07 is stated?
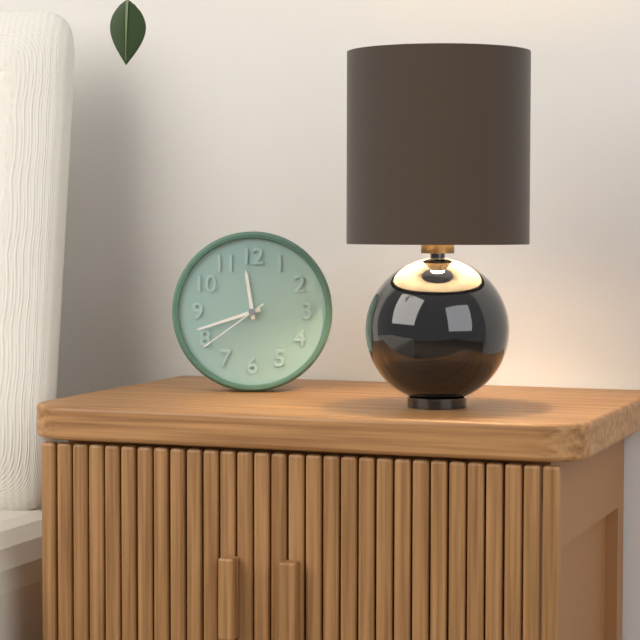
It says 11.42.39
